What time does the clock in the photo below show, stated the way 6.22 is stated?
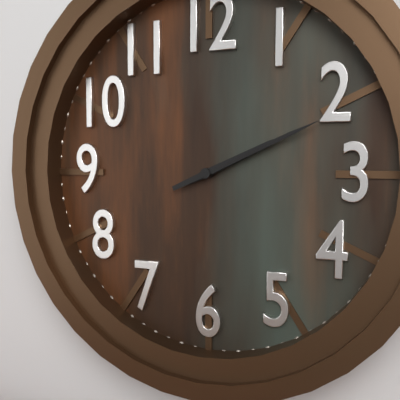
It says 2.11
